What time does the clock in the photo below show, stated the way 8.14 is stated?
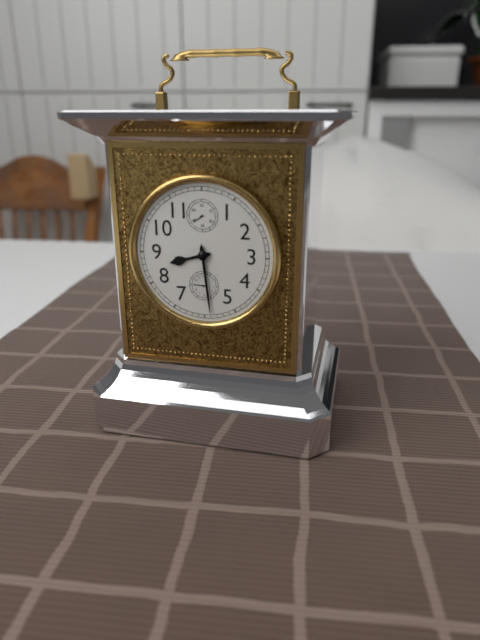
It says 8.29
